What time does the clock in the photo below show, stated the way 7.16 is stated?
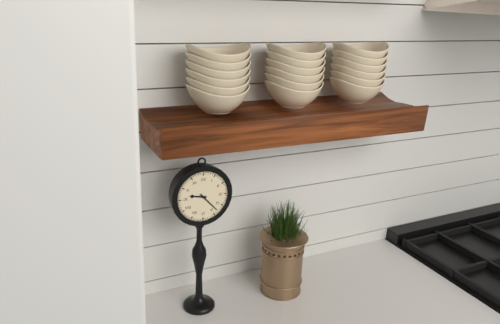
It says 9.23
